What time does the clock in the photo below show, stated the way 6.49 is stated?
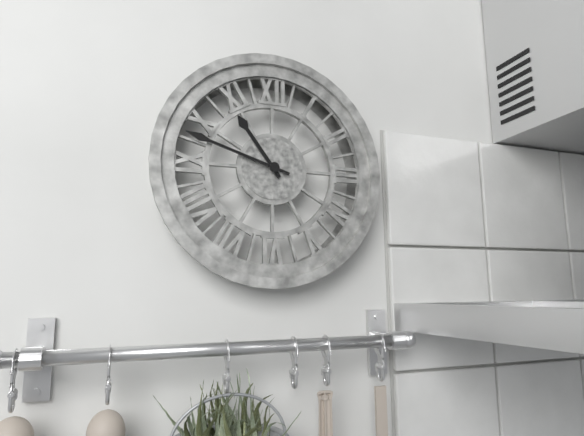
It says 10.48
